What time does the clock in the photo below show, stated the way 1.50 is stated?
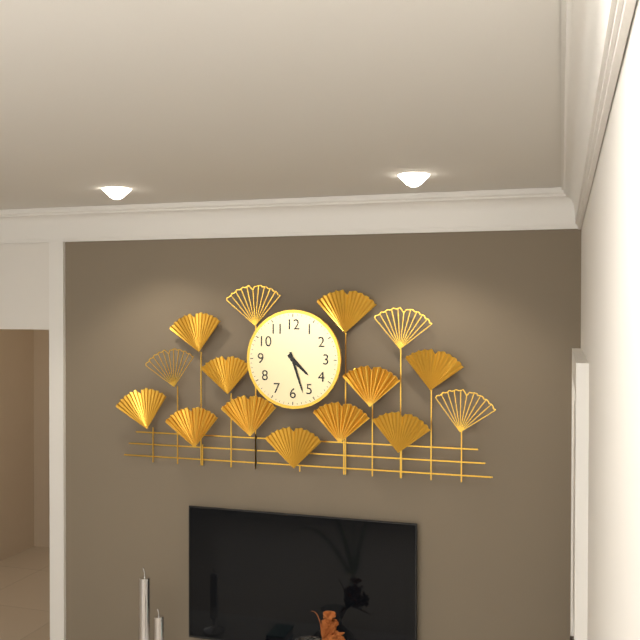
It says 4.27
